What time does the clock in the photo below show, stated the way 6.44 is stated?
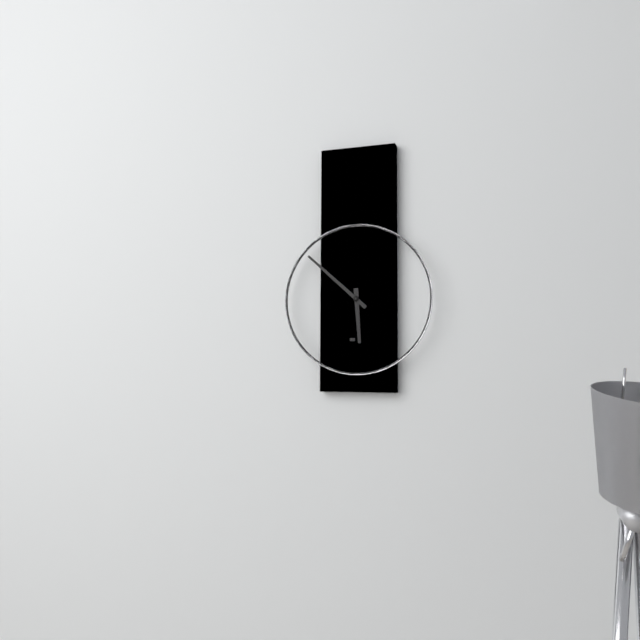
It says 5.52
